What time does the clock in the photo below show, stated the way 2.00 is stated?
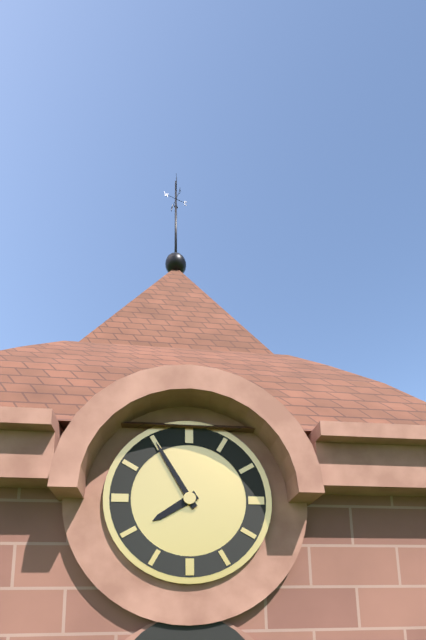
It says 7.55
